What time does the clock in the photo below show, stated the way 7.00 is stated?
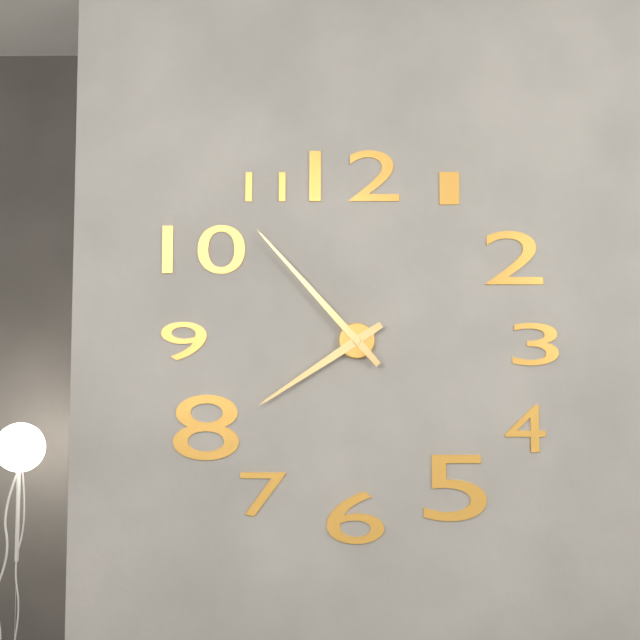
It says 7.53
